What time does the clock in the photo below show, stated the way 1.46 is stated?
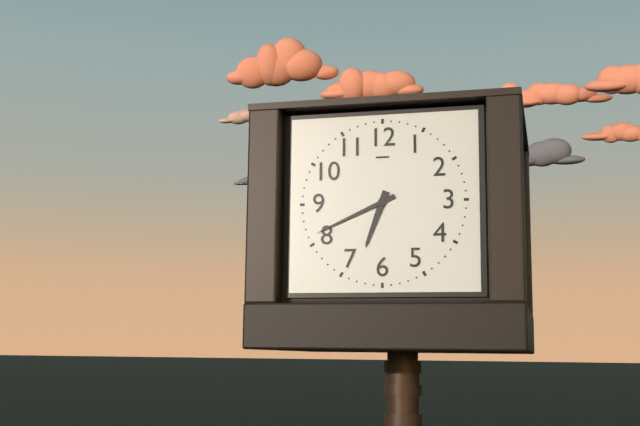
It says 6.41
